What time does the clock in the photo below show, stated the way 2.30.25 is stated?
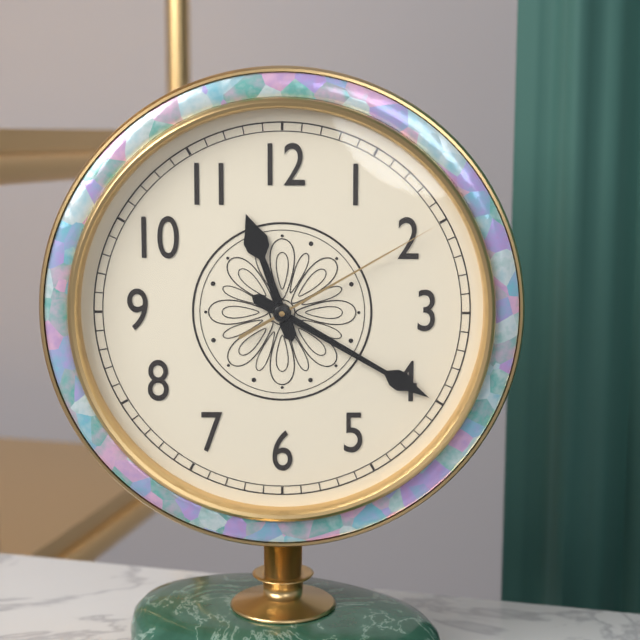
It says 11.20.10
